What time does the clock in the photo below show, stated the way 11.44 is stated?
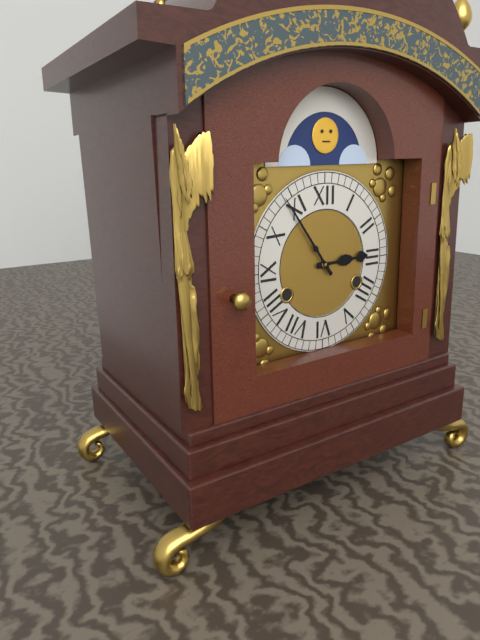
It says 2.54
